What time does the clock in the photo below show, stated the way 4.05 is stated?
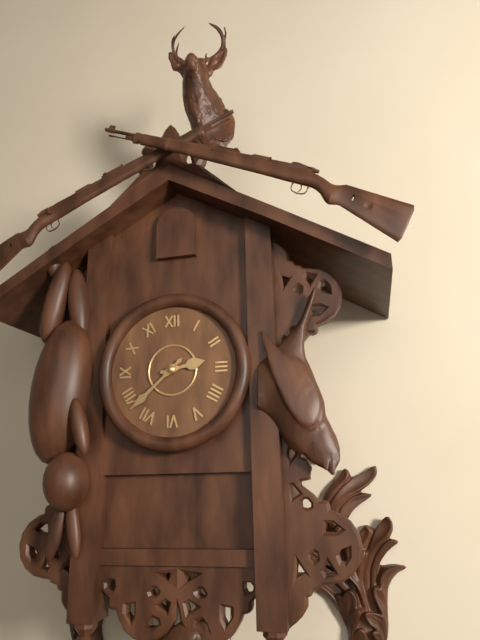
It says 2.38
